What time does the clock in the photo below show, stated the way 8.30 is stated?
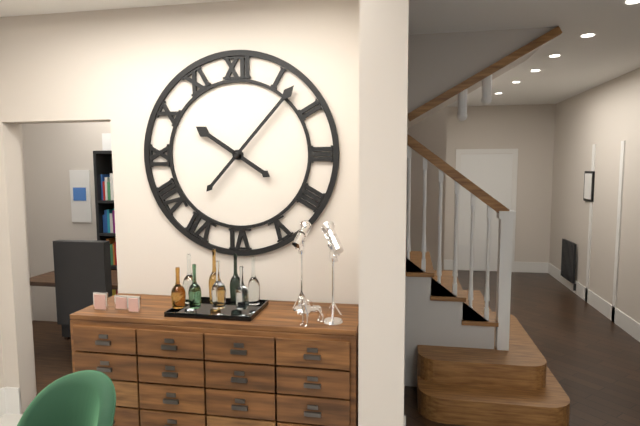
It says 10.07
